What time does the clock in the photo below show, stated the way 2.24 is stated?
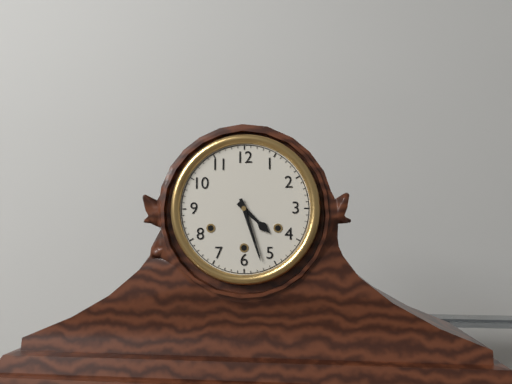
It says 4.27
